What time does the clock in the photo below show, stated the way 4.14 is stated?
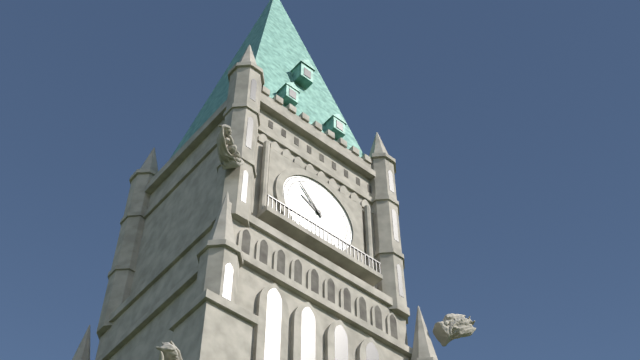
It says 9.53
